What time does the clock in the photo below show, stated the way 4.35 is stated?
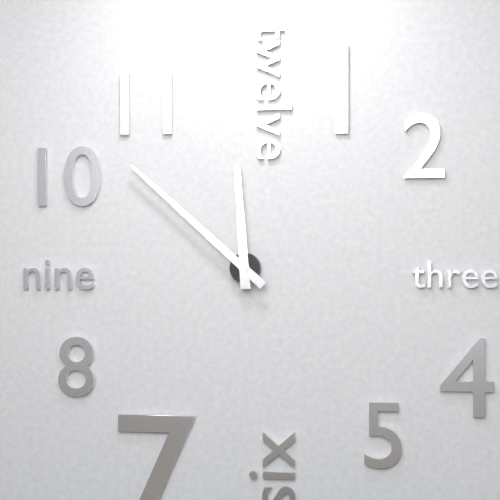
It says 11.52
